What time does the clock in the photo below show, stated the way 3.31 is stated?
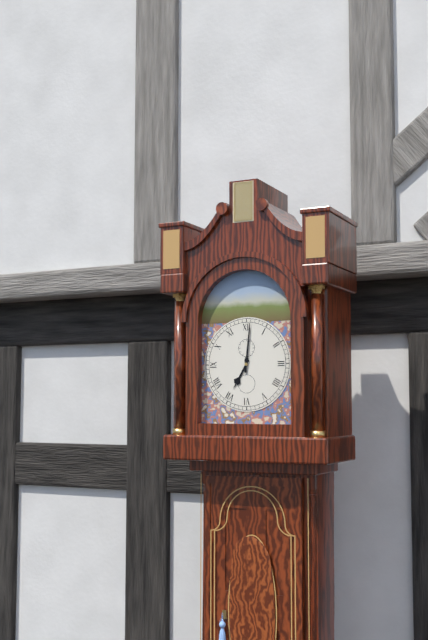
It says 7.01
